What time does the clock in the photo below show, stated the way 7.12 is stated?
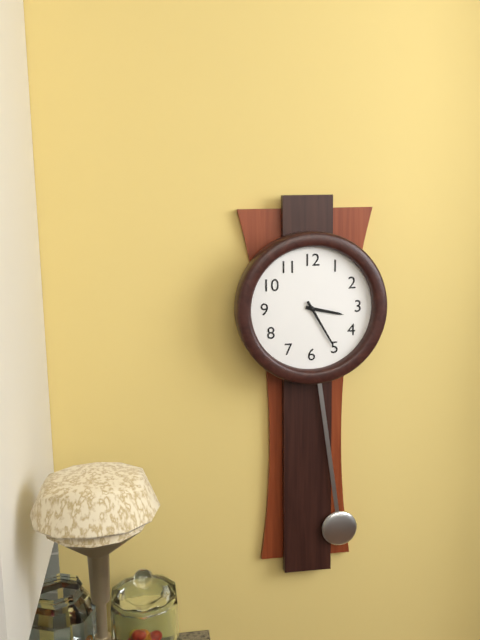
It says 3.25
